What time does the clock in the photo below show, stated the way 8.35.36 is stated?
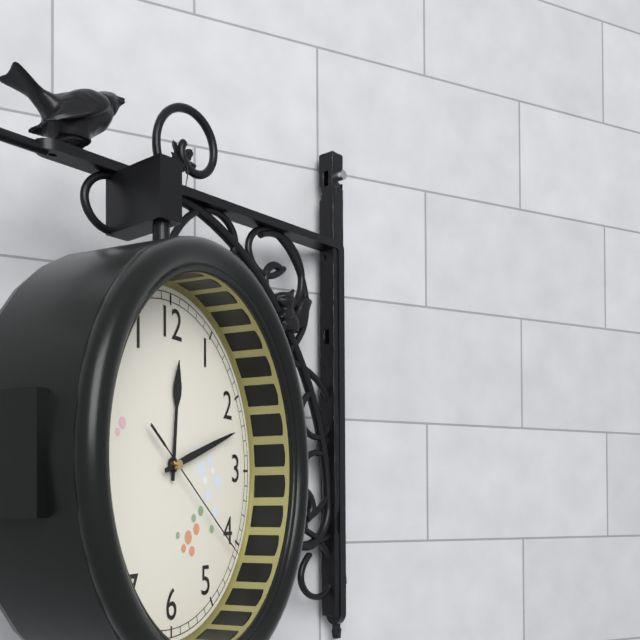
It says 12.12.21
